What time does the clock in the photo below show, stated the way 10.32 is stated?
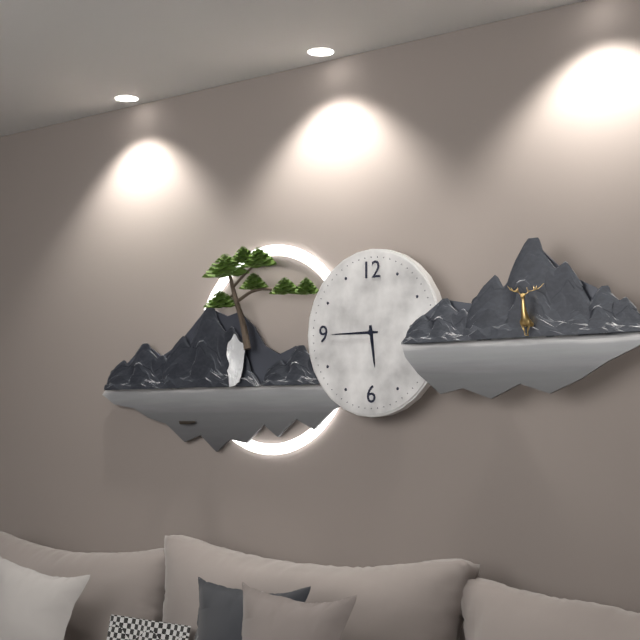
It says 5.45
